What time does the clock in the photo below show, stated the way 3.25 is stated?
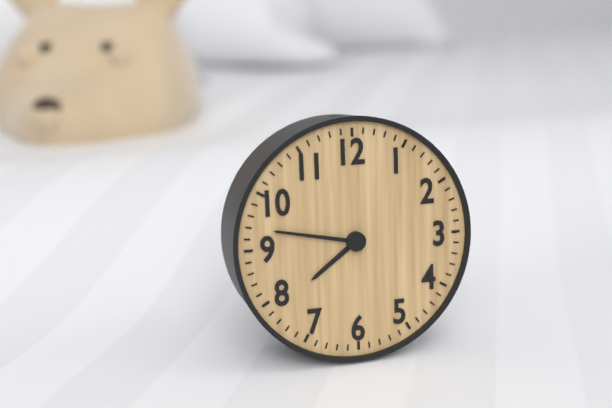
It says 7.47
